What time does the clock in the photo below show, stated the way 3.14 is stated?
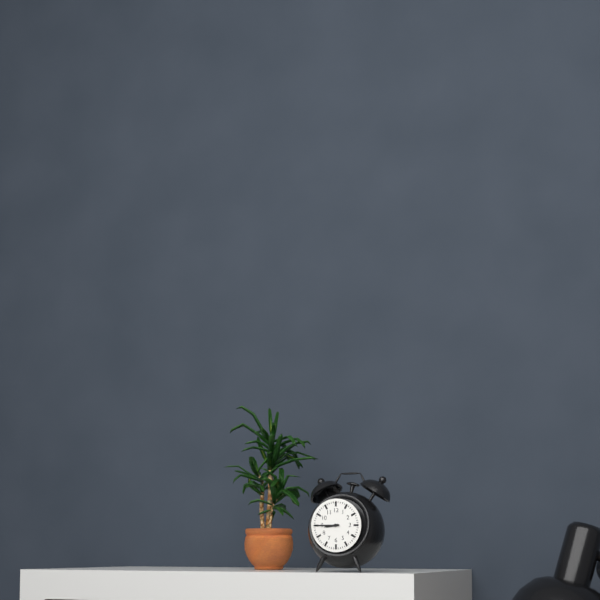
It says 8.45
